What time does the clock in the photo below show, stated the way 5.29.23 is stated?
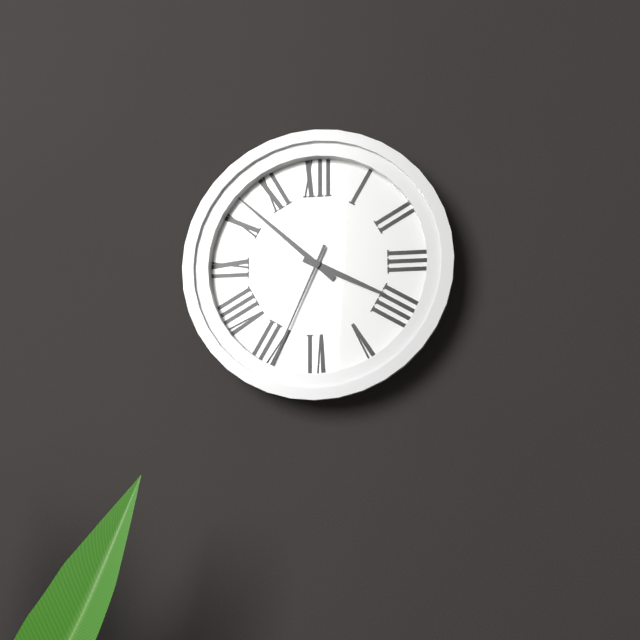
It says 3.52.34
